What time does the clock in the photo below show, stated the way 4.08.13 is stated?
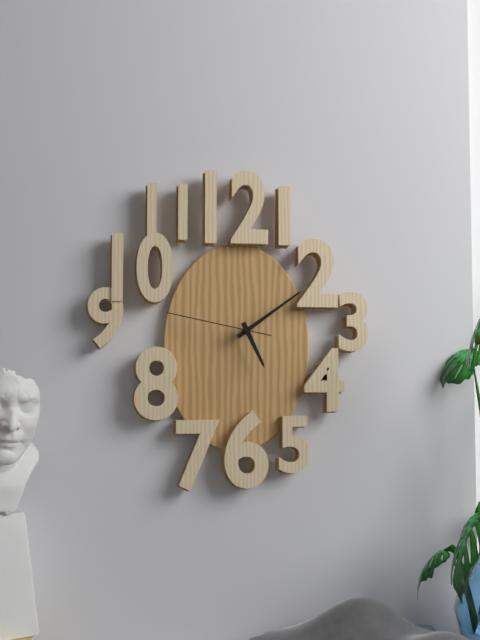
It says 5.09.47
